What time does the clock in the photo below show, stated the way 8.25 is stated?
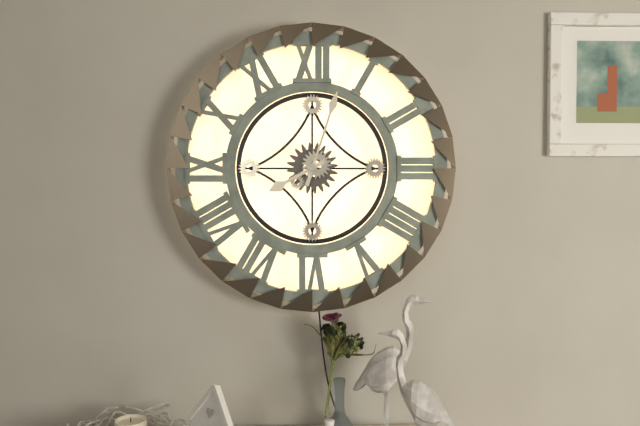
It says 8.03
